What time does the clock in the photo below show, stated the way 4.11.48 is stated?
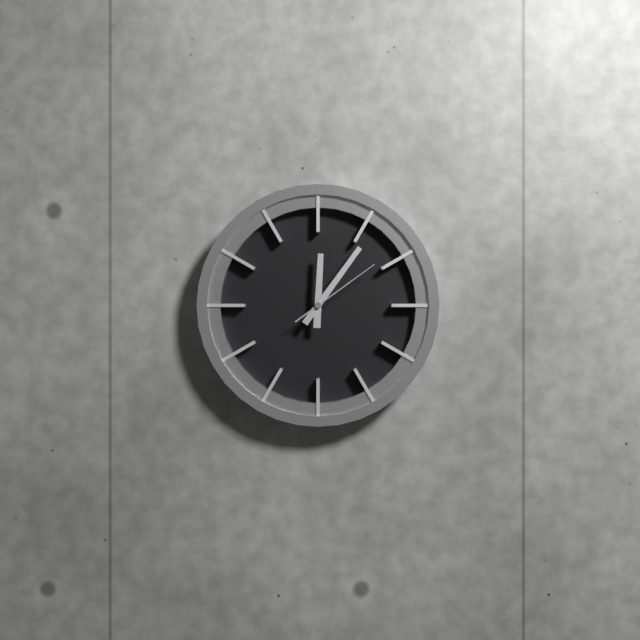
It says 12.06.09
